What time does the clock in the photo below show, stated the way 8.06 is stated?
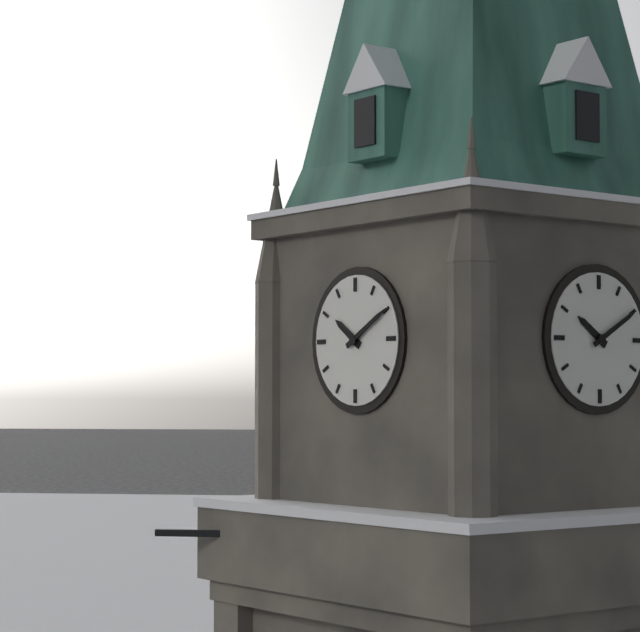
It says 10.10
